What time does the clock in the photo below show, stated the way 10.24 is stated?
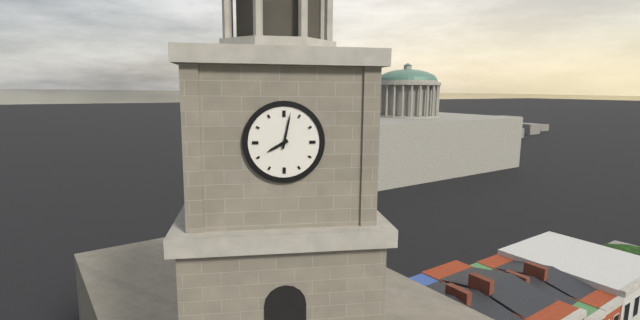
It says 8.02
